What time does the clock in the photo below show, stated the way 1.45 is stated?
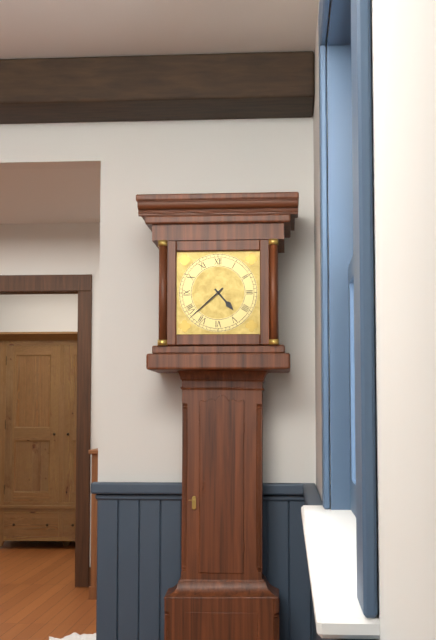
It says 4.38
